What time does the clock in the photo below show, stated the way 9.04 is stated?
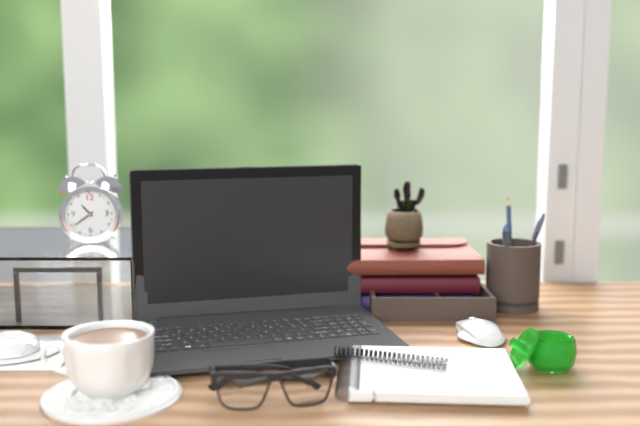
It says 10.39
